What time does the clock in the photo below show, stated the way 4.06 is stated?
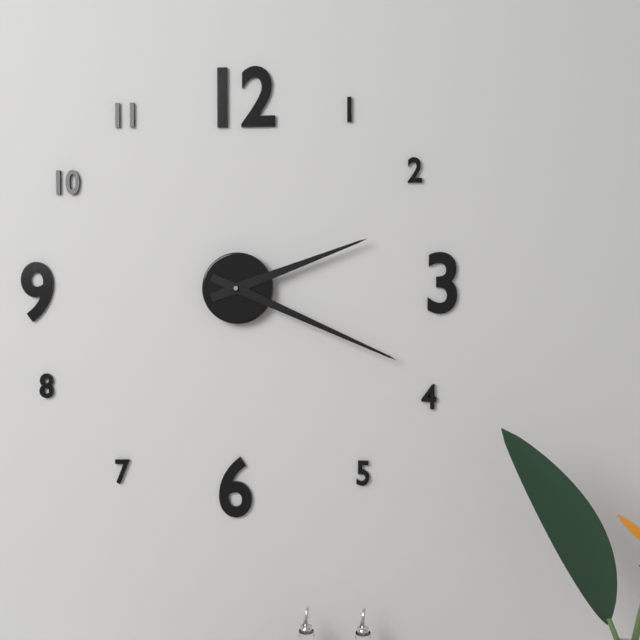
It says 2.19
